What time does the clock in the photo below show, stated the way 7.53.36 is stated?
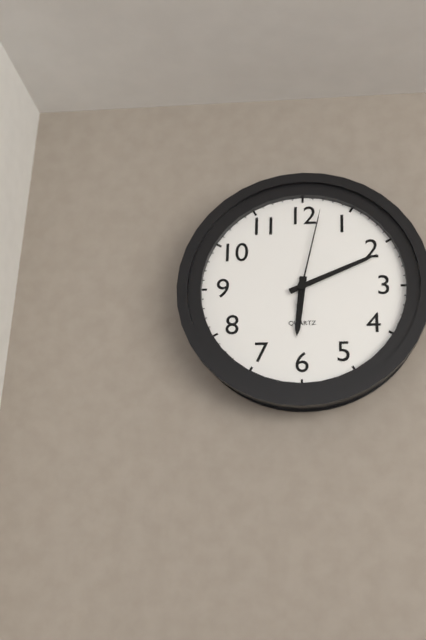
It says 6.11.02
